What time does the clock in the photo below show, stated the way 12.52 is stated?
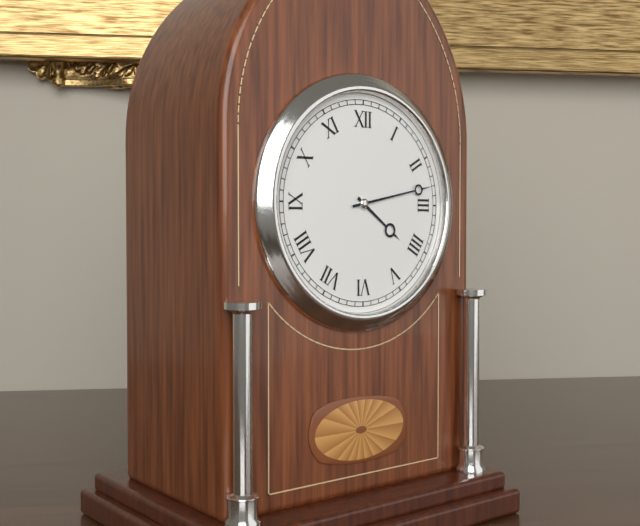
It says 4.13
